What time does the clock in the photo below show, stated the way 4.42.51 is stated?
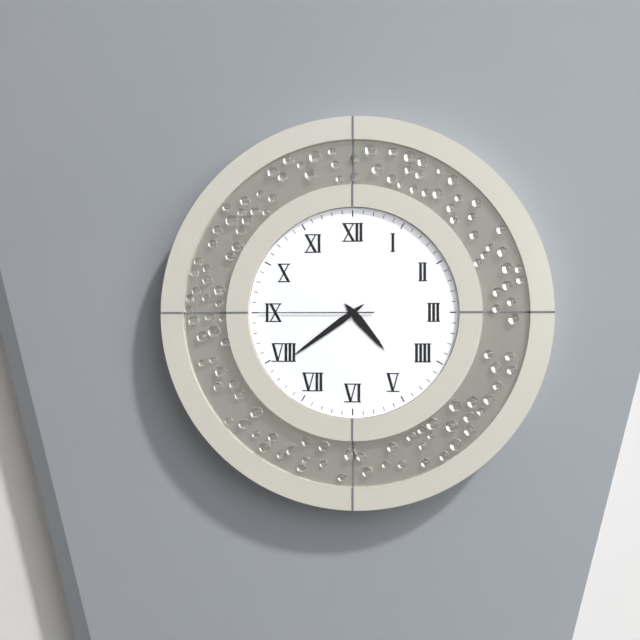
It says 4.39.45
